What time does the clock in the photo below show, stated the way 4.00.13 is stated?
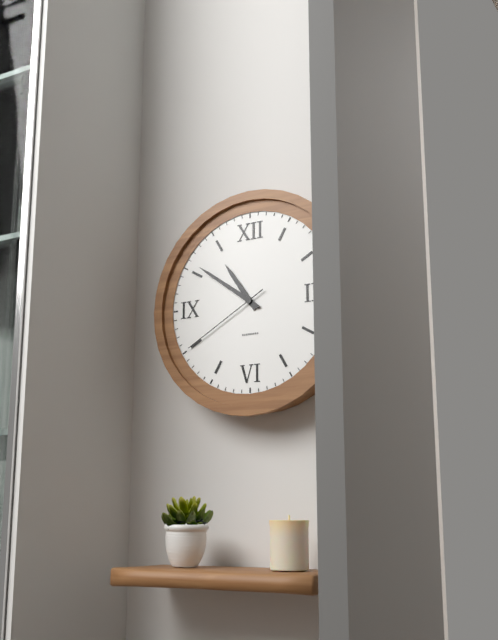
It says 10.51.40
